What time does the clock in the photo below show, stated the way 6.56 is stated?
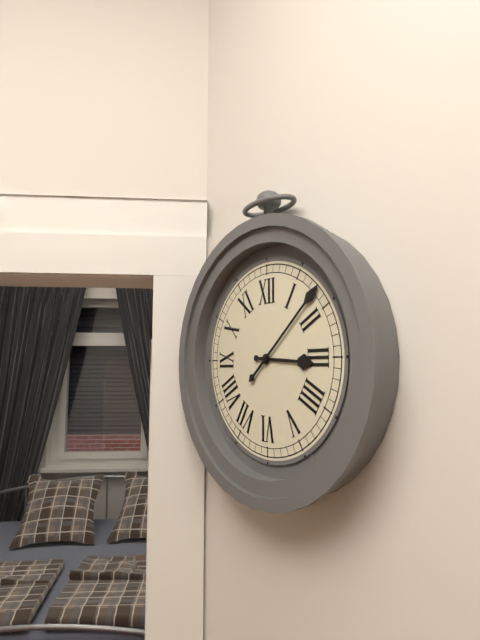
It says 3.08
